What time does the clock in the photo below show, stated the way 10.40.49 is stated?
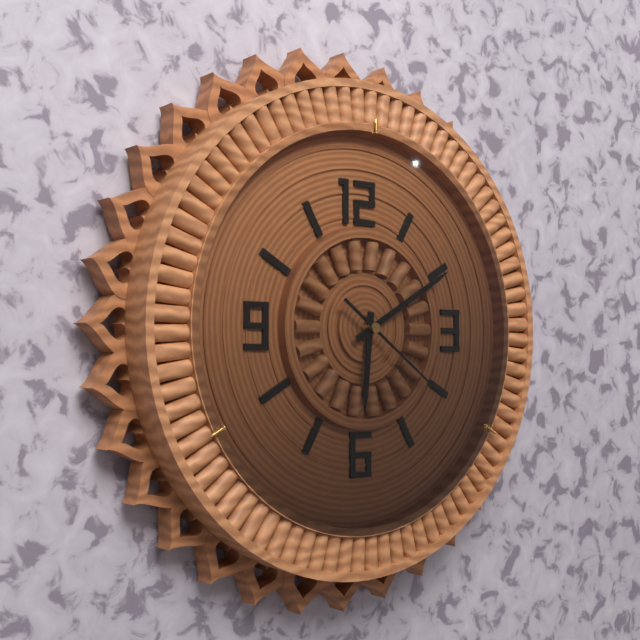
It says 6.10.21
